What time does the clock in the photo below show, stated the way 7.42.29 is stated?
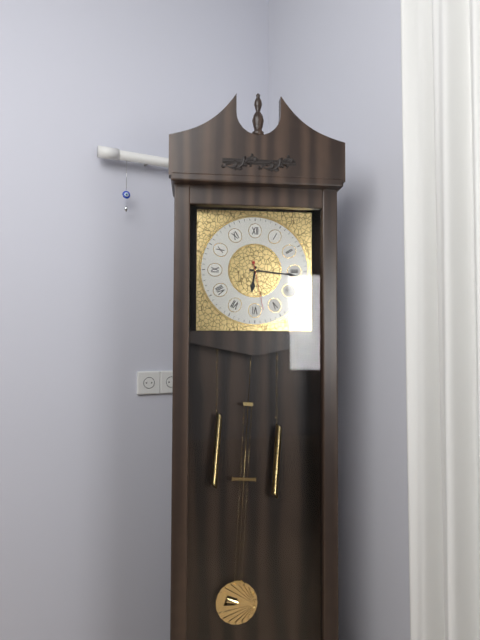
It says 6.16.28
